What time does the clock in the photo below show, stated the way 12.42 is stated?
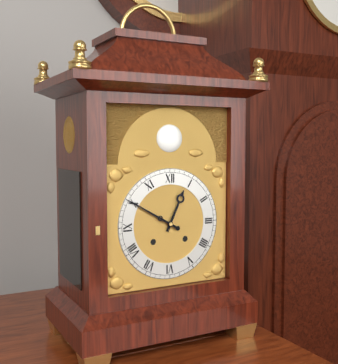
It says 12.50
